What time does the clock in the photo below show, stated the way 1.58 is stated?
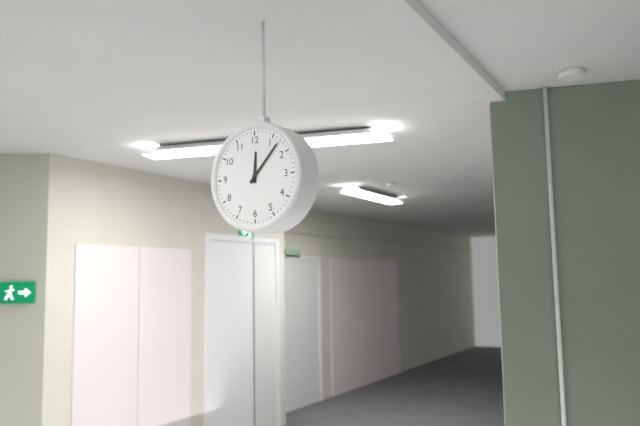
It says 12.07
